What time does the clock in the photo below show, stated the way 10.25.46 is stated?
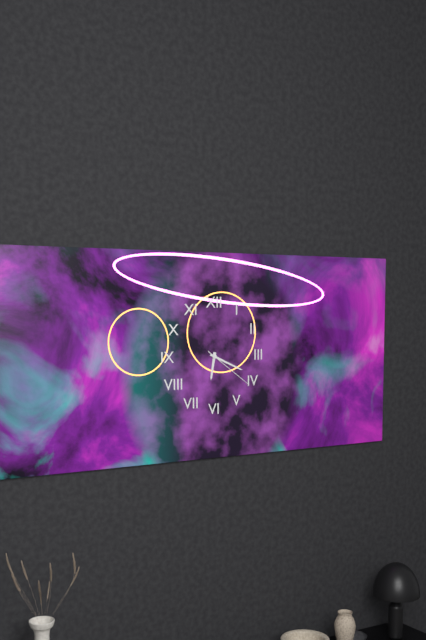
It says 6.19.21
